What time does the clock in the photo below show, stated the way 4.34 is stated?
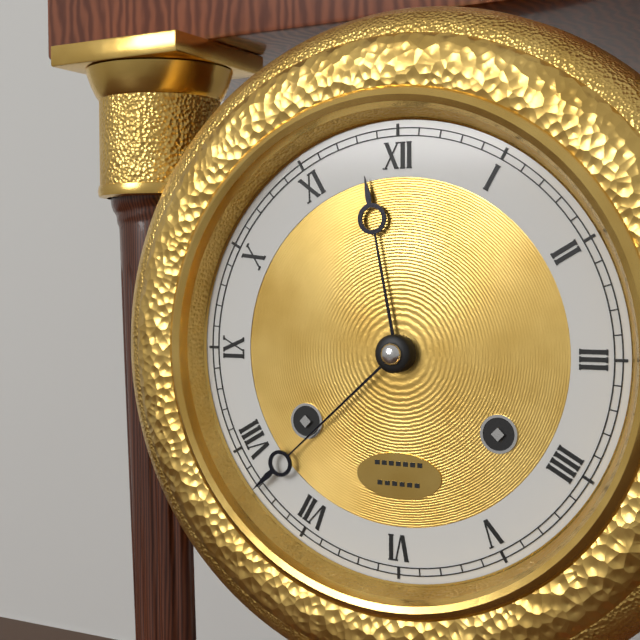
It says 11.38
